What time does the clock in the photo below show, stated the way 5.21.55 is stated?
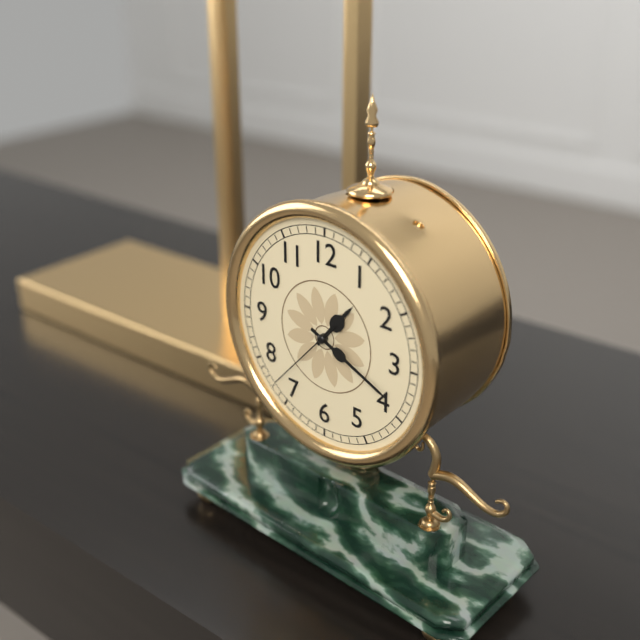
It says 1.19.37
